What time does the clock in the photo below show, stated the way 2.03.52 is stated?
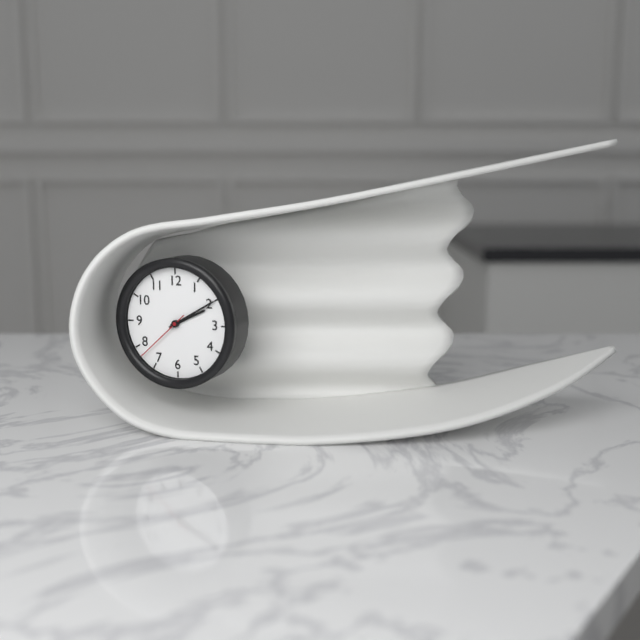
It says 2.10.38
